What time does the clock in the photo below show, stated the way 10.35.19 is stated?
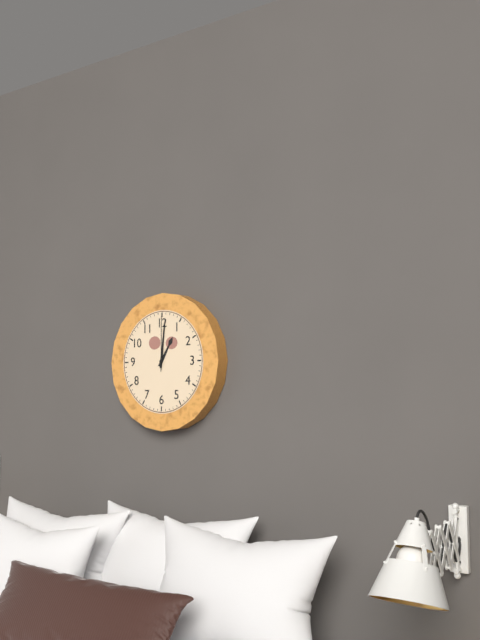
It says 1.01.00
